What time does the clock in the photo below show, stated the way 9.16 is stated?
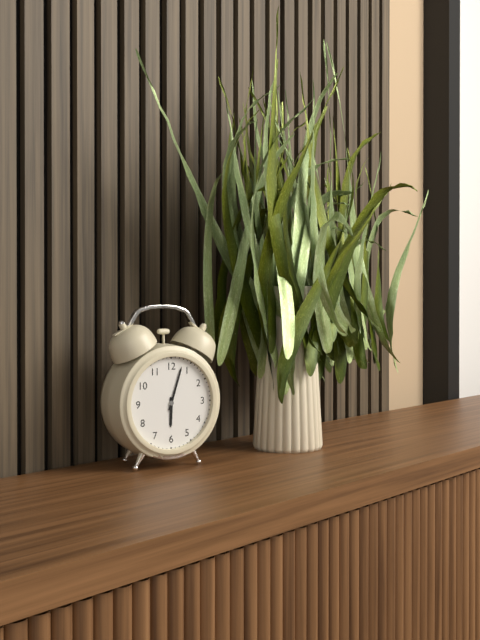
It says 6.03
